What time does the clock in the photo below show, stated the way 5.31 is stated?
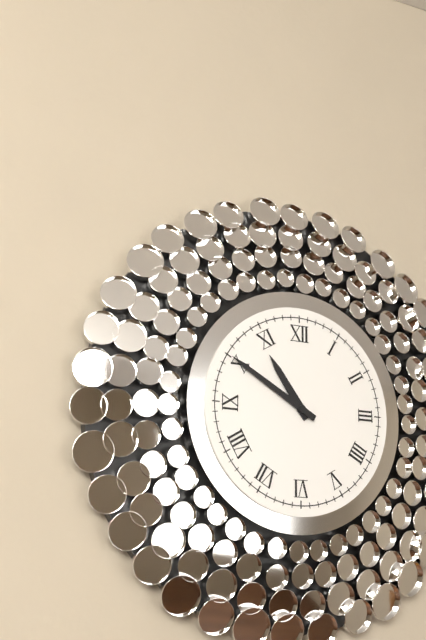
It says 10.50
